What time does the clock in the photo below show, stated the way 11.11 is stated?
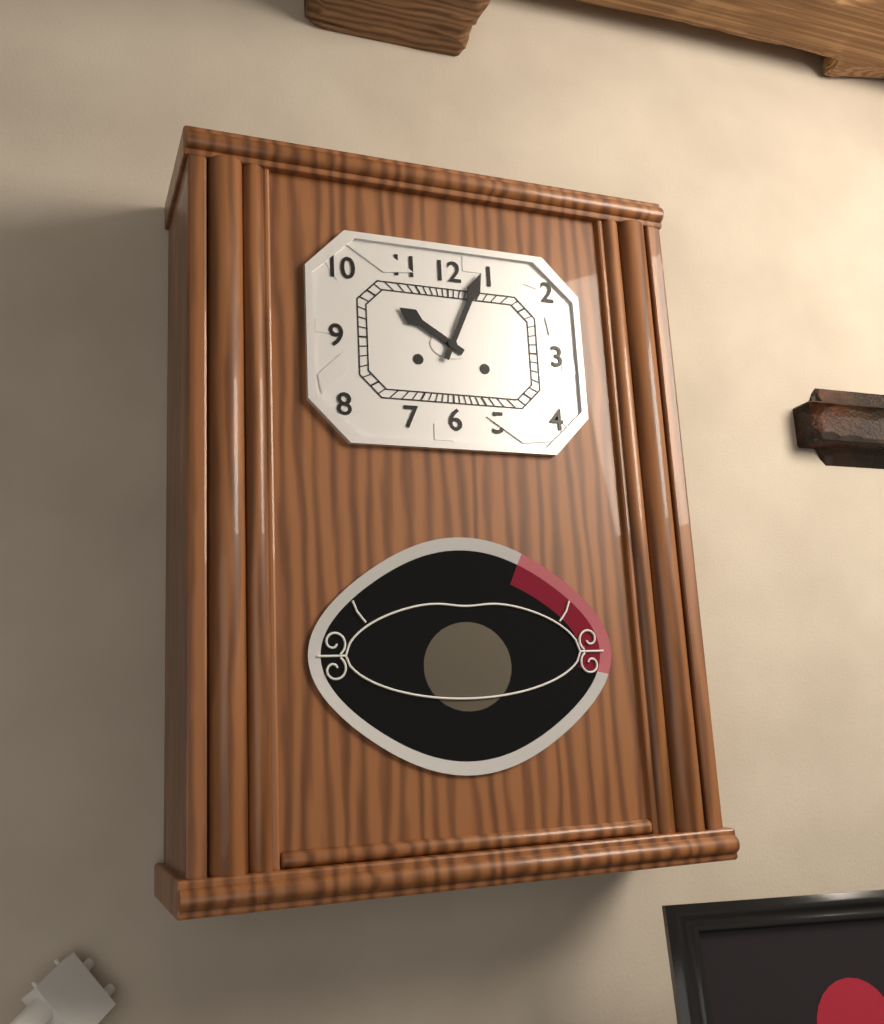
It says 10.04
